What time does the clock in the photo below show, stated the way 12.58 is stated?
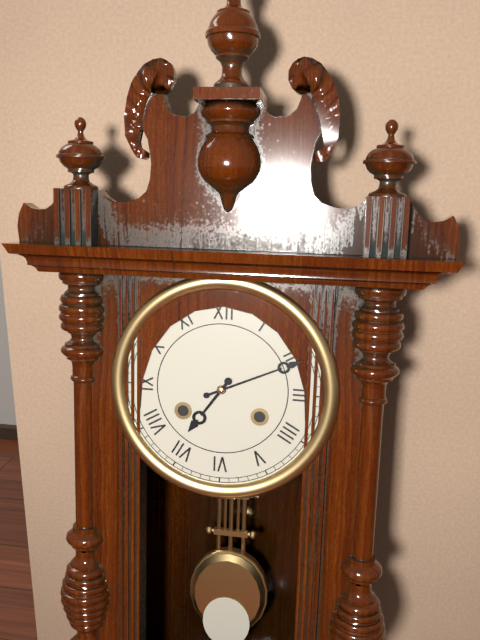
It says 7.11
